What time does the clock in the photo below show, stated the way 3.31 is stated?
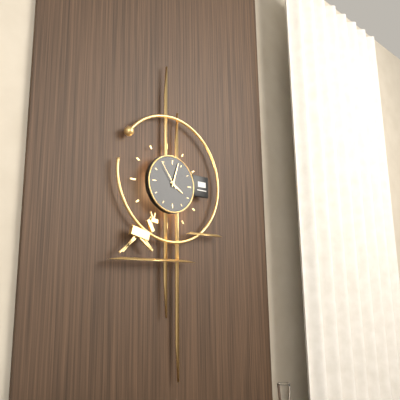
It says 4.03
